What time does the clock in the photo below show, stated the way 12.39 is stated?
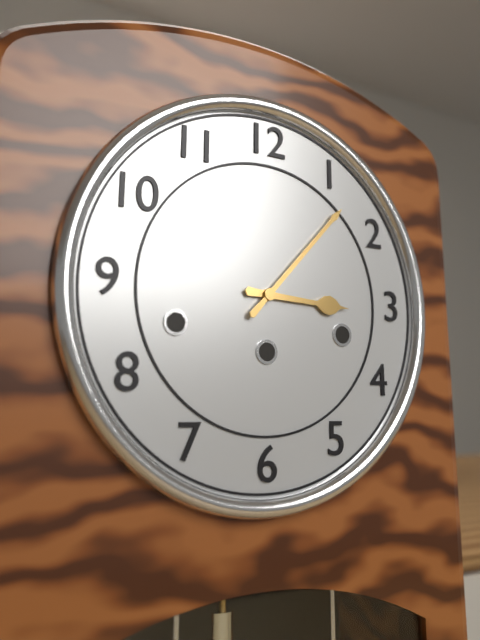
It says 3.07
